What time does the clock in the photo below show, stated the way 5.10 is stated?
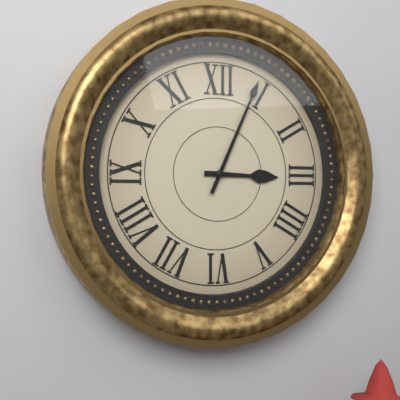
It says 3.04
